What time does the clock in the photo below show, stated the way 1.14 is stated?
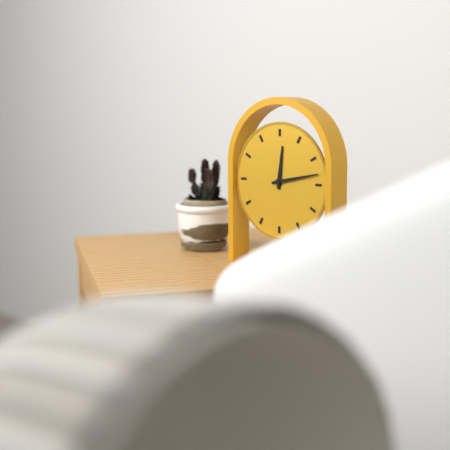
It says 12.13
